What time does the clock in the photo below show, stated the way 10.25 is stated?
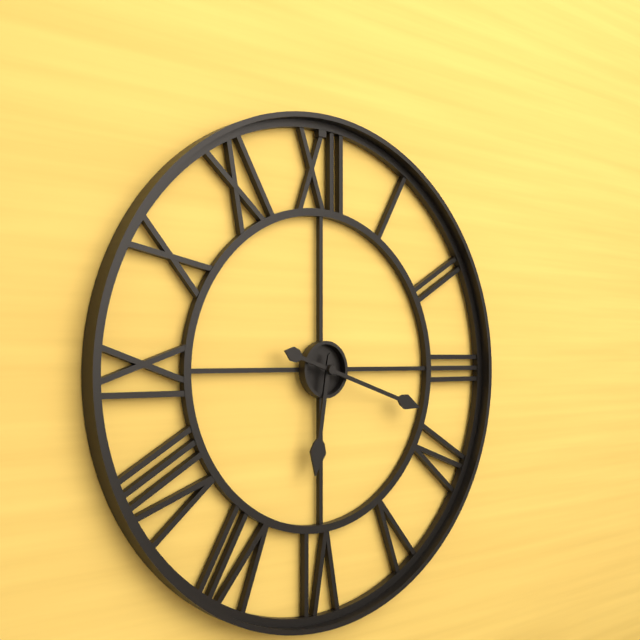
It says 6.18
